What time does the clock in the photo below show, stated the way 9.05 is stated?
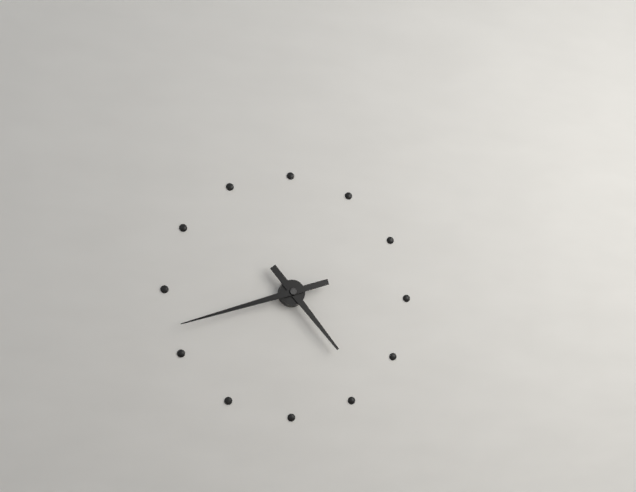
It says 4.42
